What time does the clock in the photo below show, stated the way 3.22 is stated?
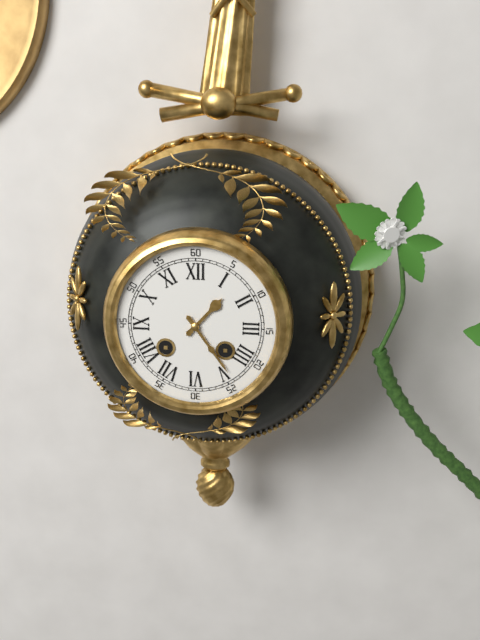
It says 1.24
